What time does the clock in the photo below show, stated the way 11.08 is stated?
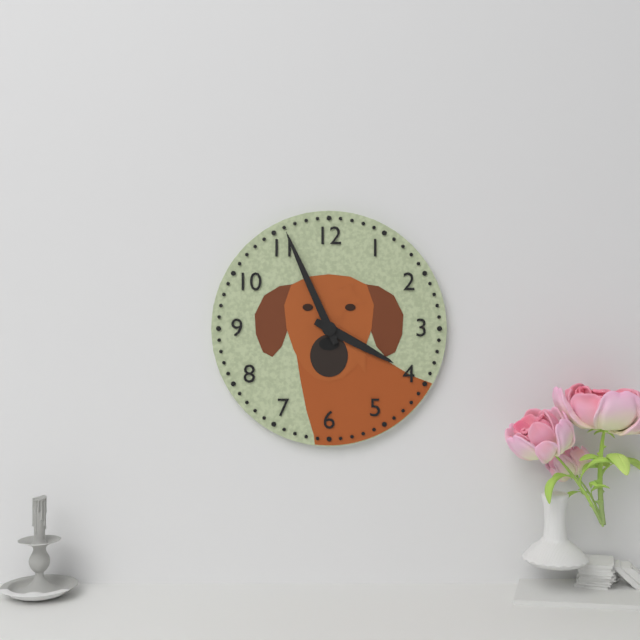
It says 3.56
